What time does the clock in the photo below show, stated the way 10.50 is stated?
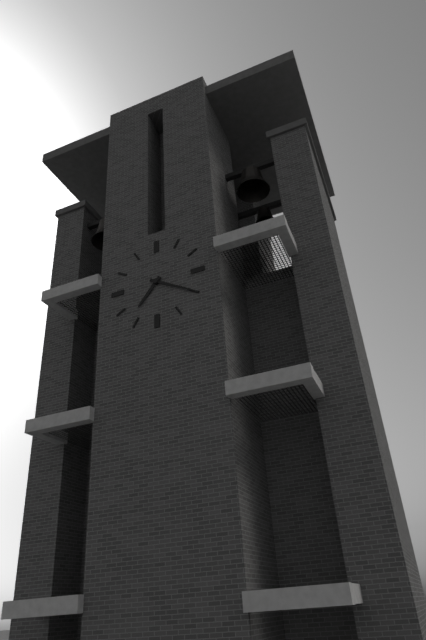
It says 7.20
